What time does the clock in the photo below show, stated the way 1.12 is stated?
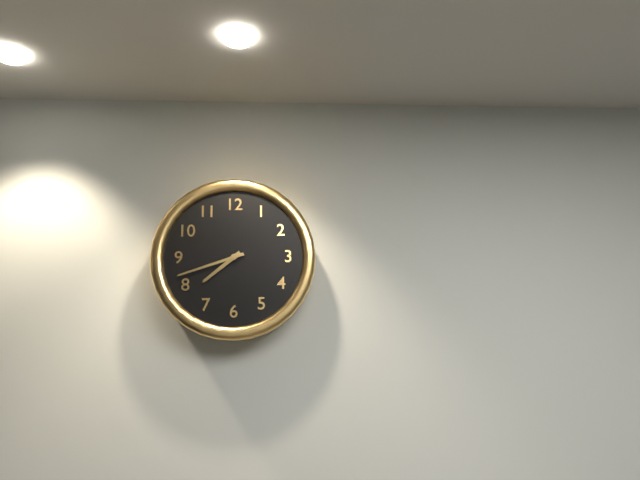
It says 7.42
